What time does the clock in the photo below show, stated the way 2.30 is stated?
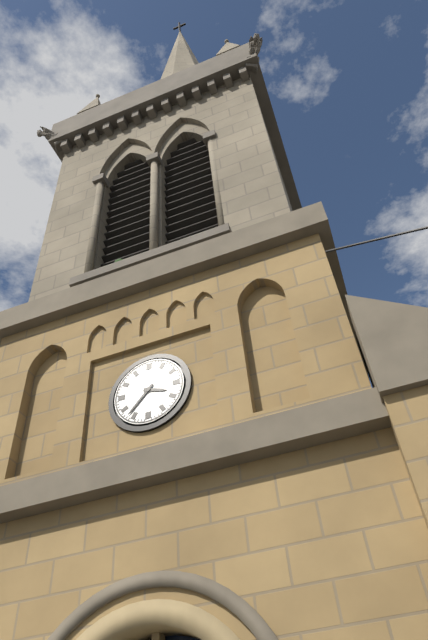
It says 3.37
